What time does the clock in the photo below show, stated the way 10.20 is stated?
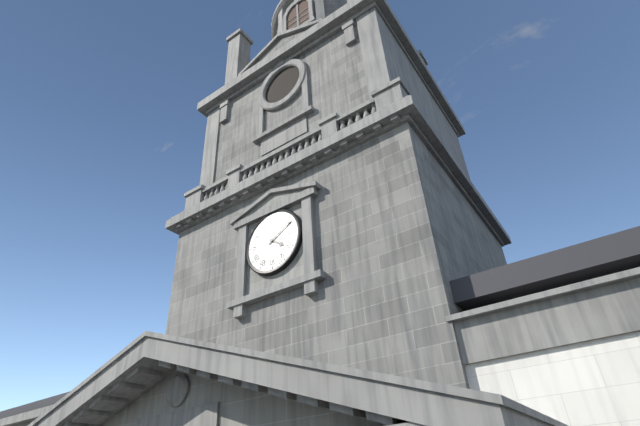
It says 4.10
